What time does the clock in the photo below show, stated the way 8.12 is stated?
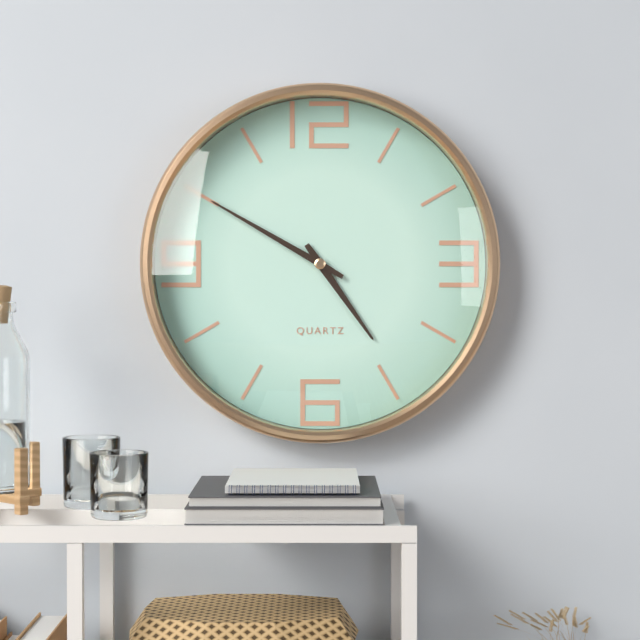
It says 4.50
